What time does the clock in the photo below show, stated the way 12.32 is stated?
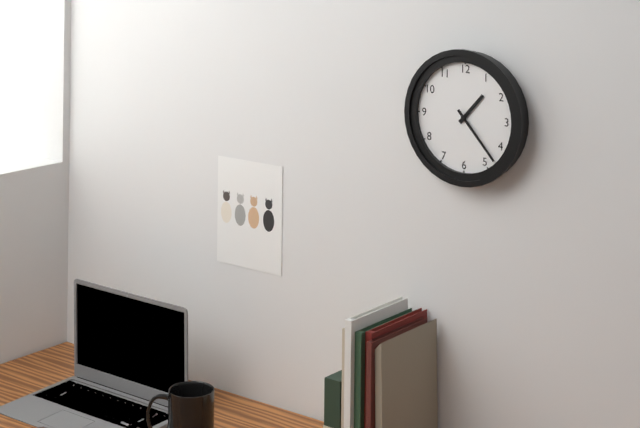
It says 1.23
